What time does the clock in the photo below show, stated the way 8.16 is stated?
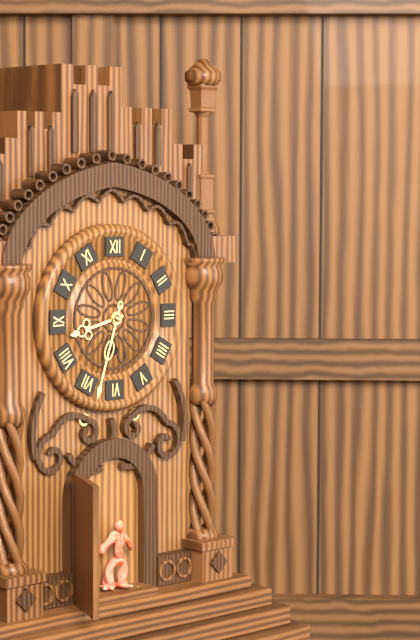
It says 8.33
